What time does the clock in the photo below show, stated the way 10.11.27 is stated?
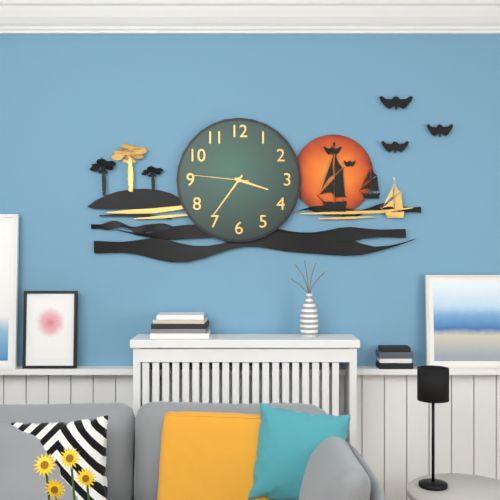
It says 3.36.46
